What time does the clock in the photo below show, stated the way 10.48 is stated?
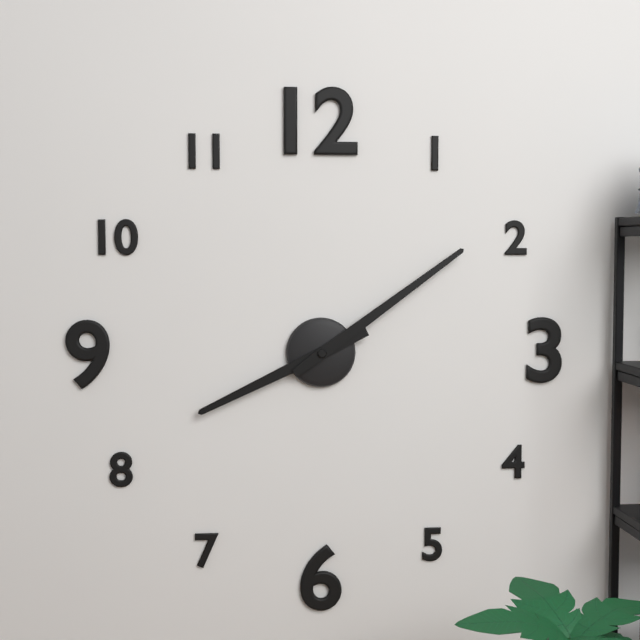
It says 8.09
